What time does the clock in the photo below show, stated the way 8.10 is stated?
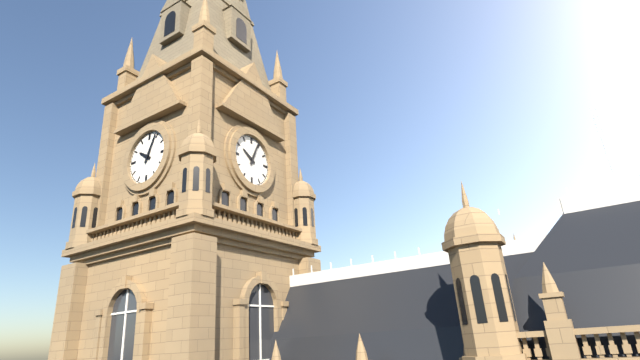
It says 10.04
